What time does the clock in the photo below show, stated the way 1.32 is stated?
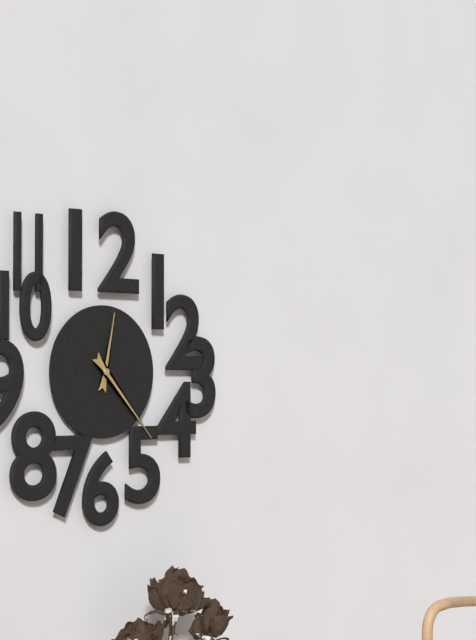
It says 12.23
